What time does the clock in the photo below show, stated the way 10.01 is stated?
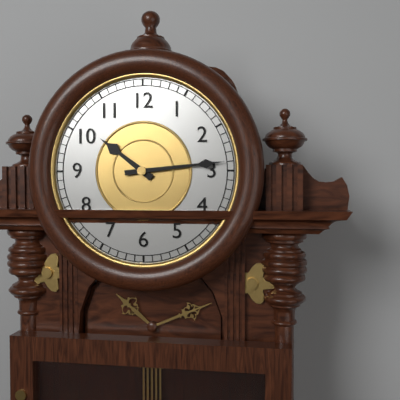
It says 10.14
